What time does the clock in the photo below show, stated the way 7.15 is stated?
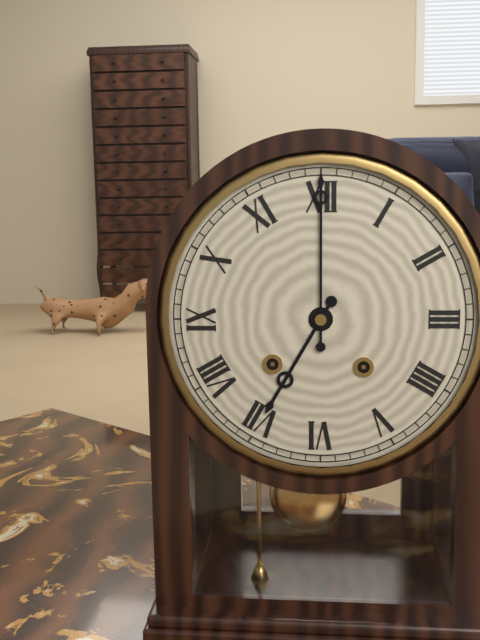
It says 7.00
